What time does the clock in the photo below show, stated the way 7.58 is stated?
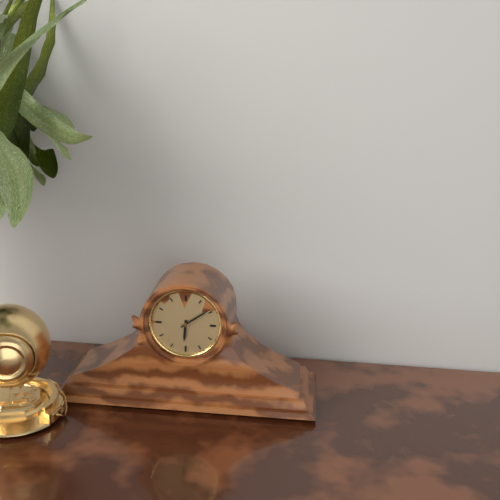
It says 6.09
